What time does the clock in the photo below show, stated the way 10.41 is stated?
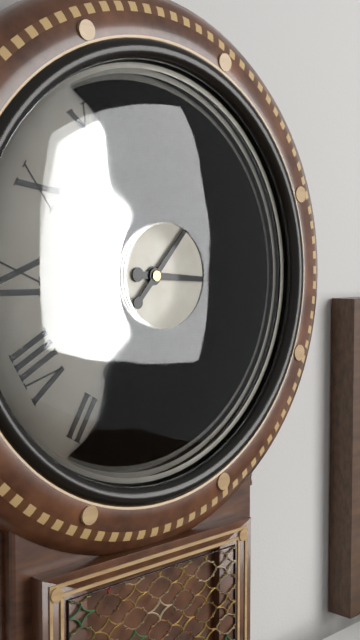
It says 3.07
